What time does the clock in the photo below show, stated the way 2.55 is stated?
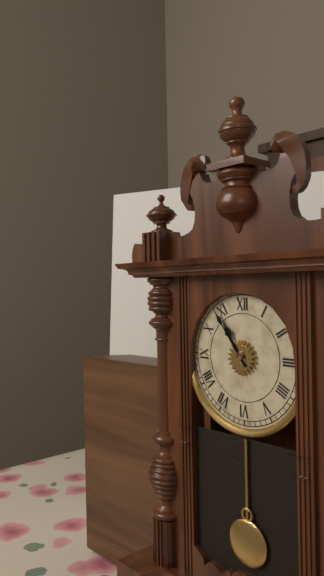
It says 10.54
